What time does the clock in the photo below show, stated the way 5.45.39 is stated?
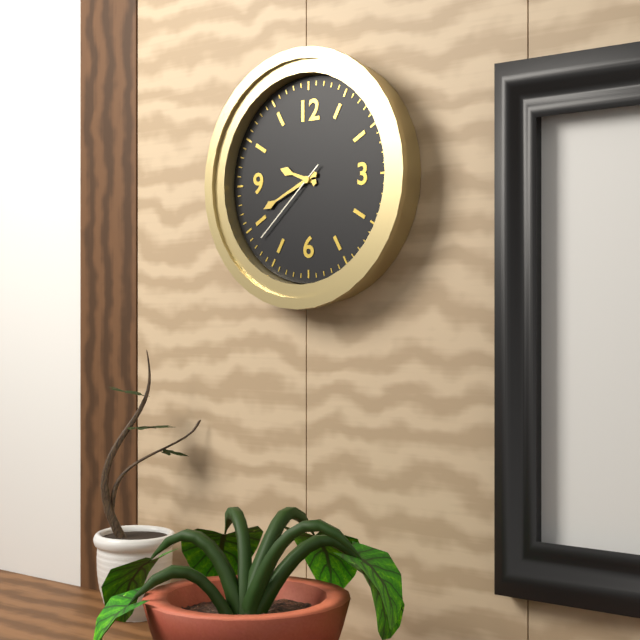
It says 9.41.38
